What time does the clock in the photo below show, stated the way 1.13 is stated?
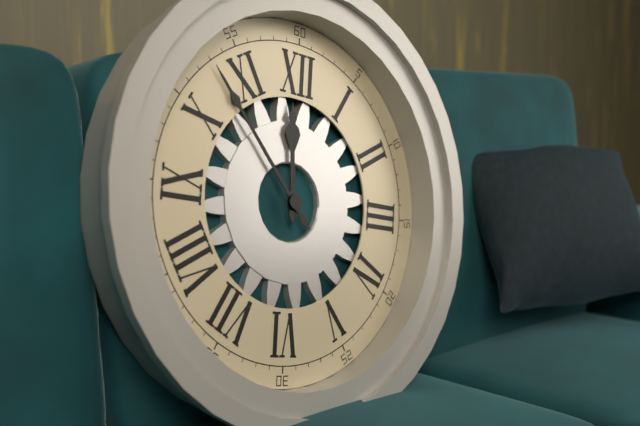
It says 11.53
